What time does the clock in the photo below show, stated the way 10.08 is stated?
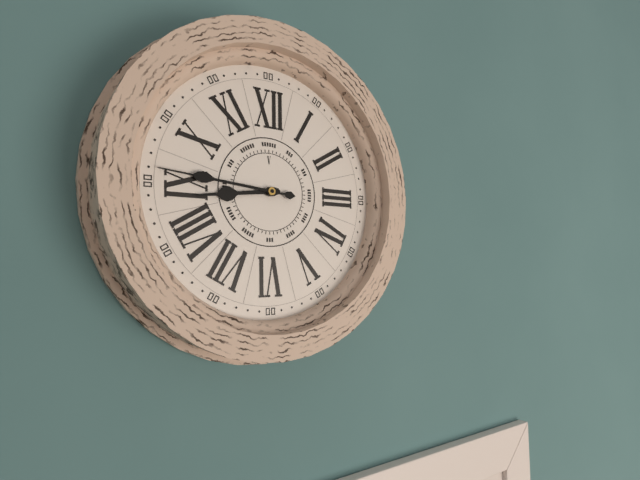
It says 8.46
